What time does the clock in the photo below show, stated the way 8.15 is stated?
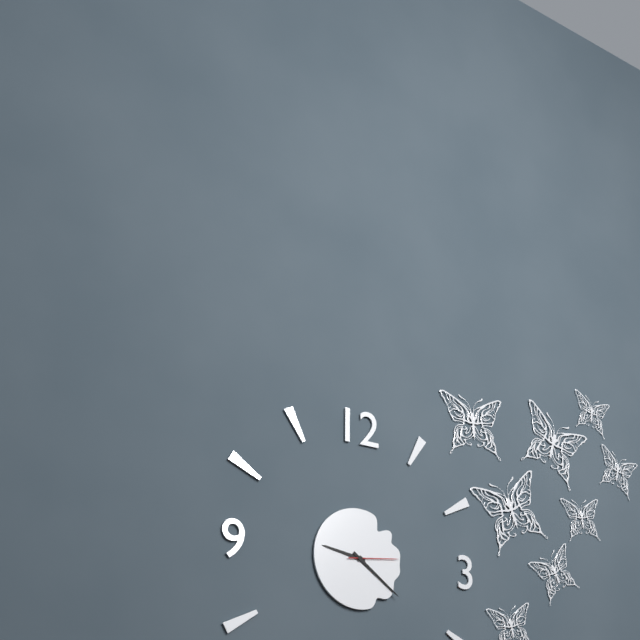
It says 9.21
